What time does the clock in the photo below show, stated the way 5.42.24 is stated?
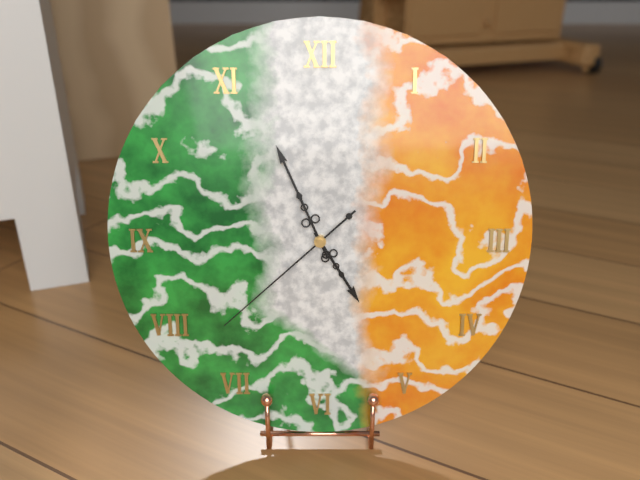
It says 4.56.38
